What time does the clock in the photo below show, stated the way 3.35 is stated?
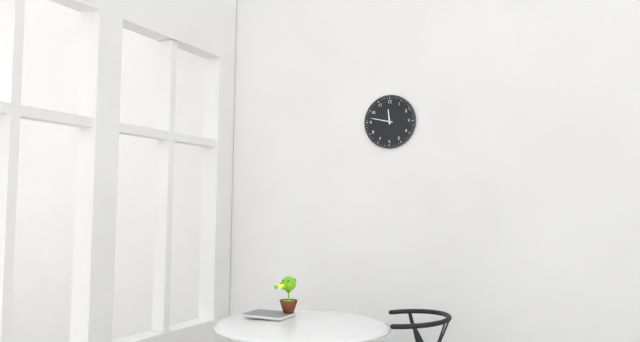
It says 11.47
